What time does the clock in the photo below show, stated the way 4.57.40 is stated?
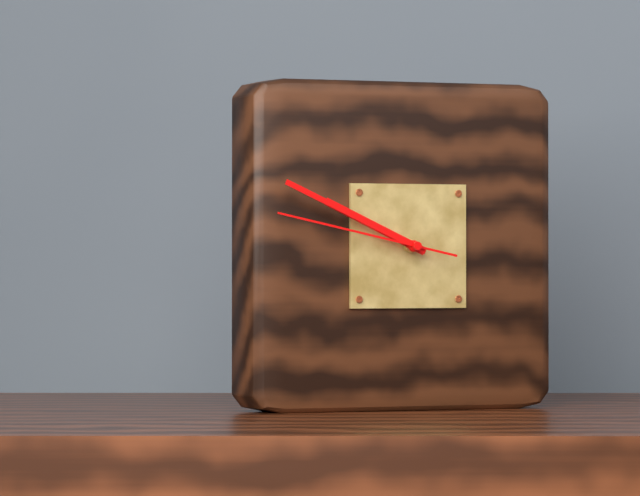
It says 9.49.47
